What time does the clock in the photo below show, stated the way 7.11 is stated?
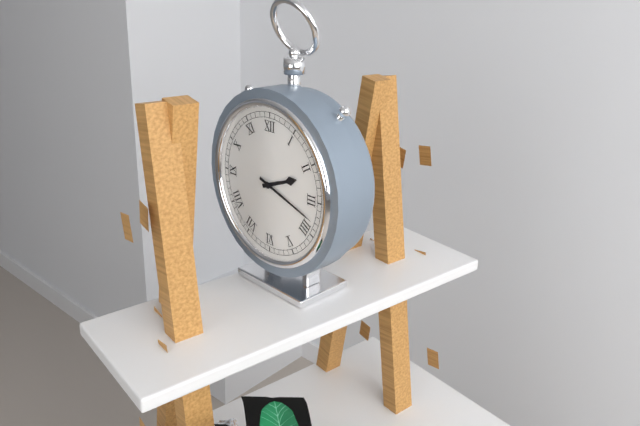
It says 2.18
